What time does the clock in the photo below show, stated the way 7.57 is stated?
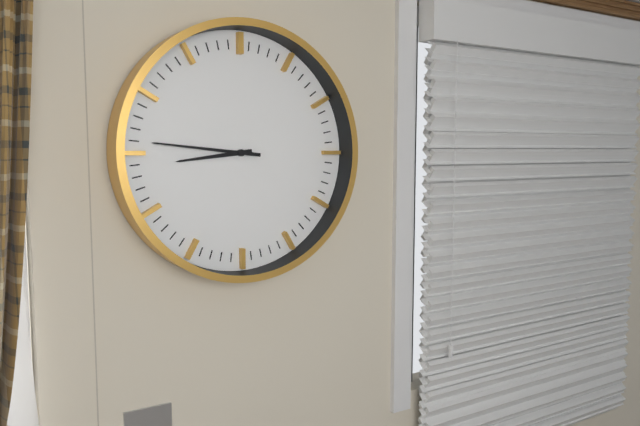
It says 8.46
